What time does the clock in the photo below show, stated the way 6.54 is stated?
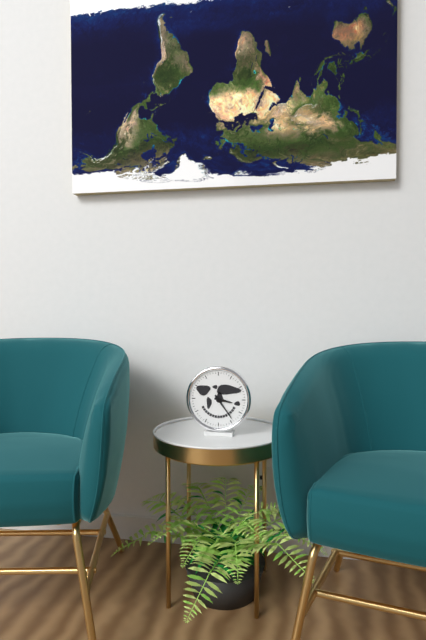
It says 3.24
